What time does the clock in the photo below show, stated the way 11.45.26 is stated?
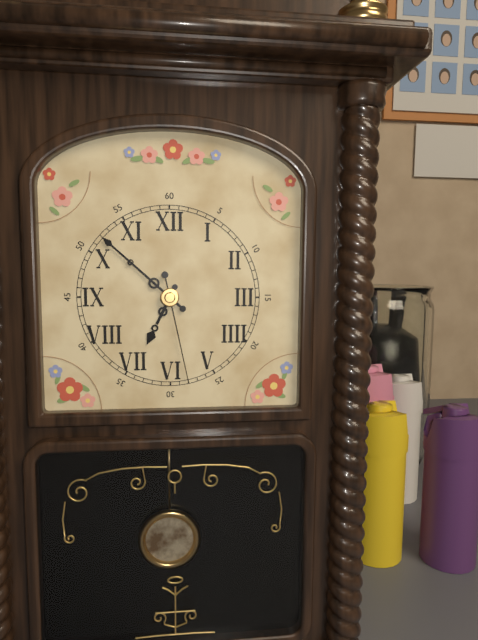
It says 6.52.28
